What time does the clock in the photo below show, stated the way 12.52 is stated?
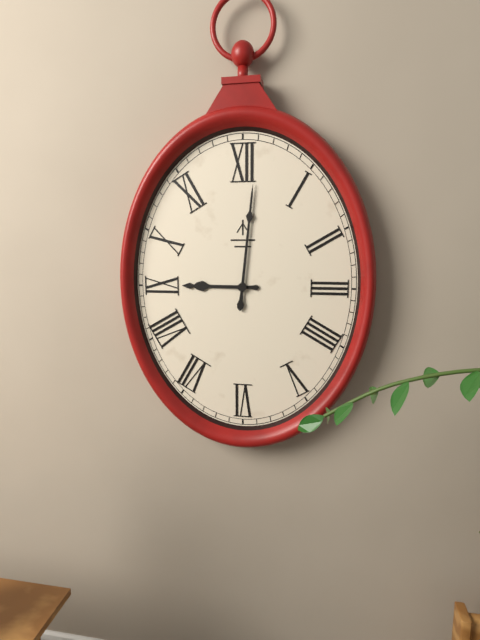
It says 9.01
